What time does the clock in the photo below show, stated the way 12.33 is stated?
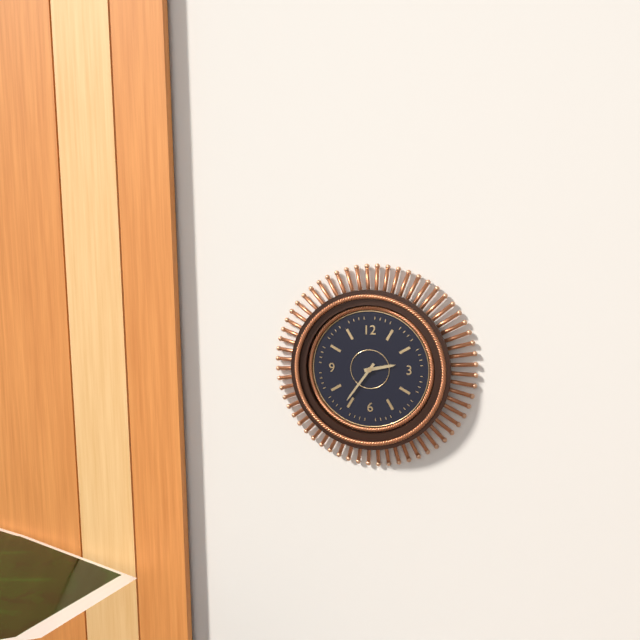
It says 2.36
